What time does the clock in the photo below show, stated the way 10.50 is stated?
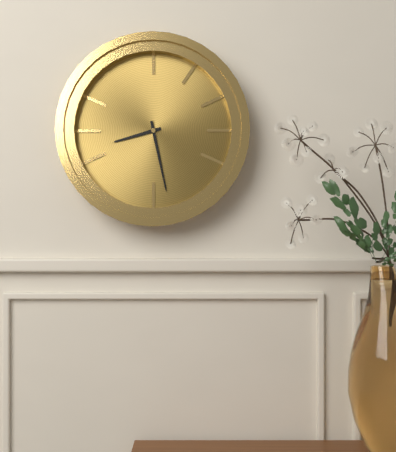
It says 8.28
